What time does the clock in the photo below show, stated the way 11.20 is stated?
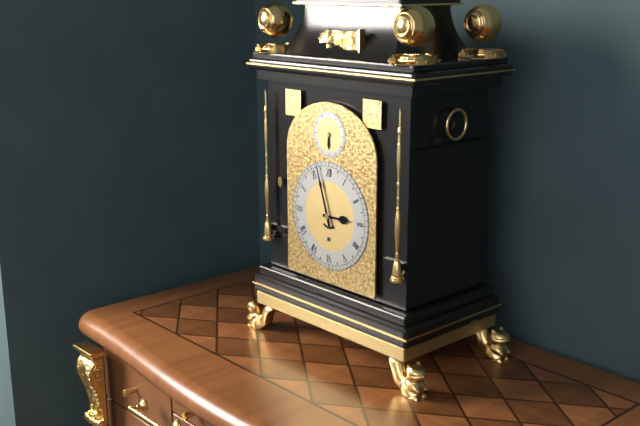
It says 2.57
